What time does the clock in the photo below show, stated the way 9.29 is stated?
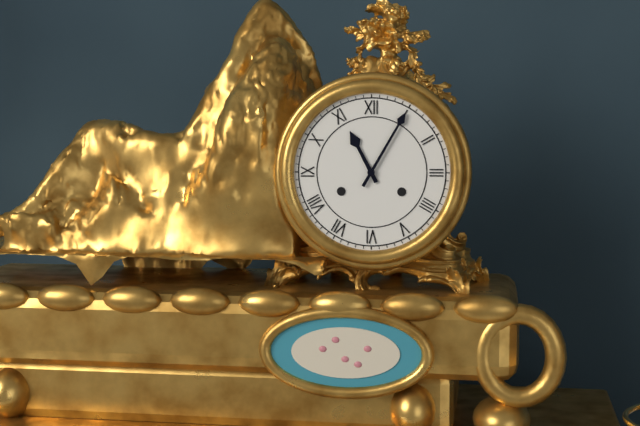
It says 11.05
